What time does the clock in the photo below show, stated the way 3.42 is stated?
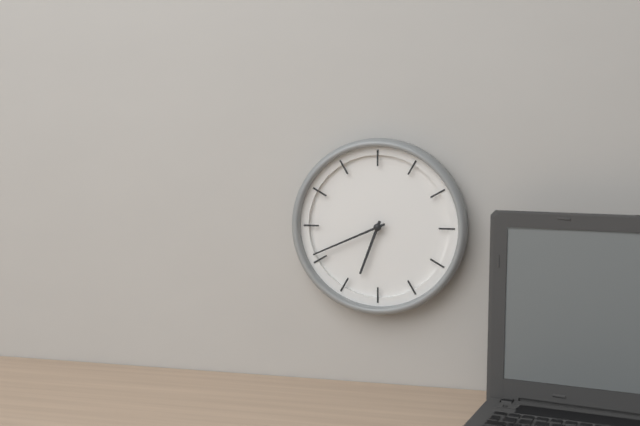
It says 6.41
